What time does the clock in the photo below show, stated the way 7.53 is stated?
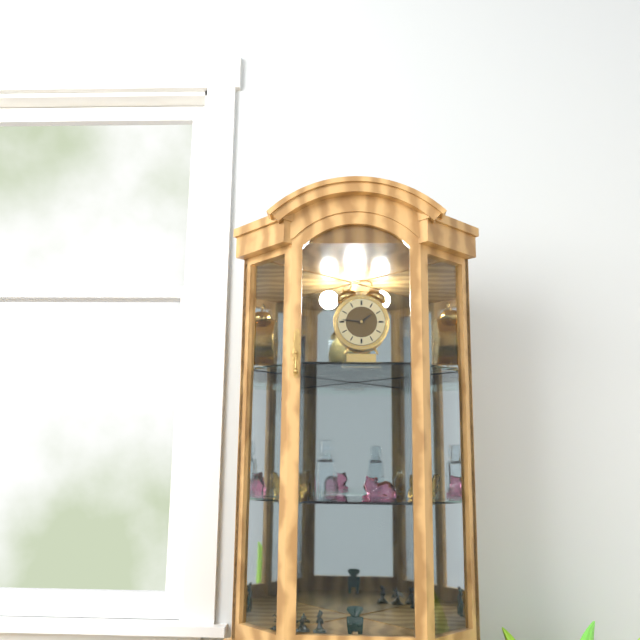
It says 1.46
